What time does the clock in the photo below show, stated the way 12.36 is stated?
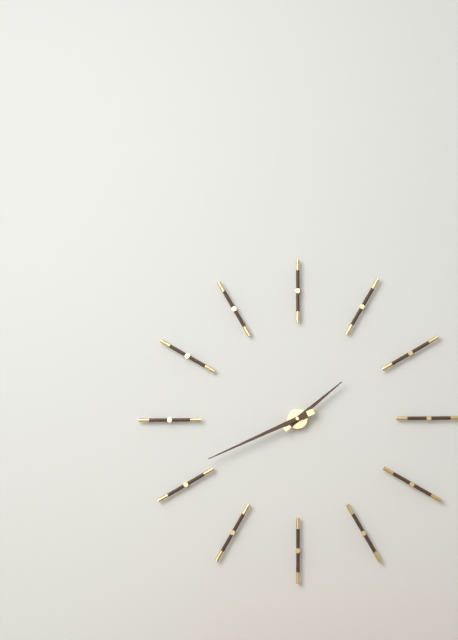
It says 1.41
